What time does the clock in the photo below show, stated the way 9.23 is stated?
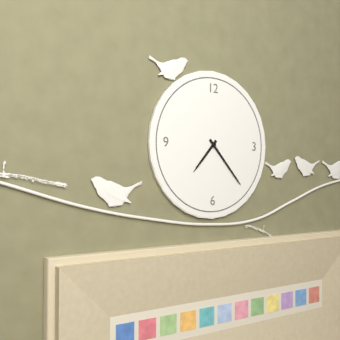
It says 7.23
